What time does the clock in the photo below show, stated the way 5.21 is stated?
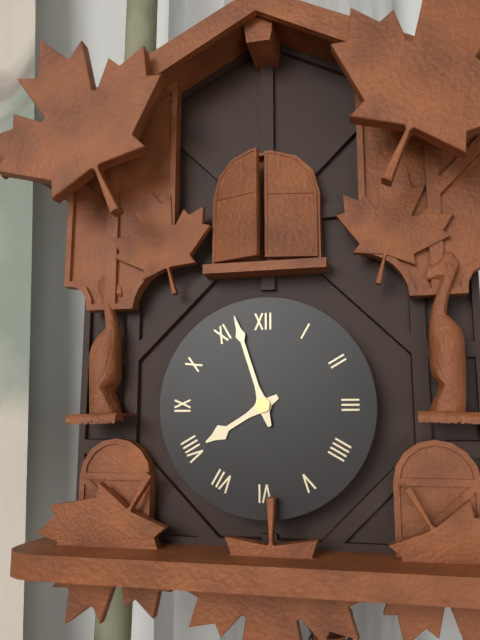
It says 7.57
